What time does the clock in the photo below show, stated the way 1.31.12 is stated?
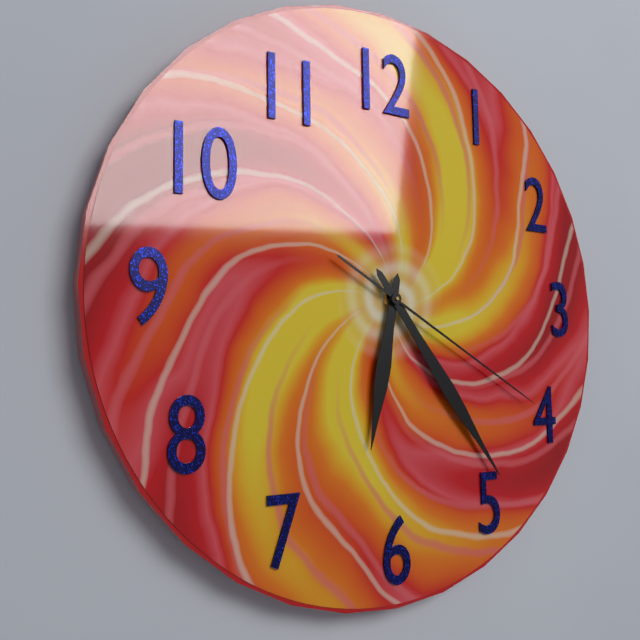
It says 6.24.20
